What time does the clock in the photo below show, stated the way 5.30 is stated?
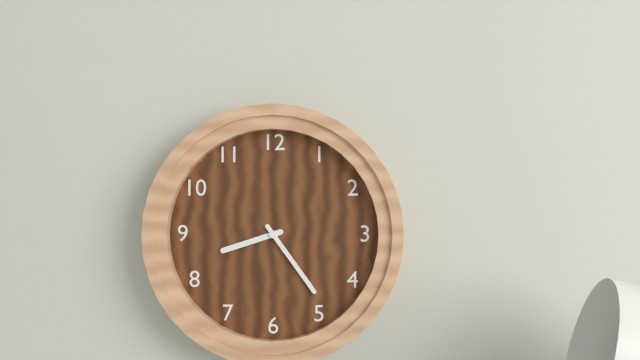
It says 8.24
